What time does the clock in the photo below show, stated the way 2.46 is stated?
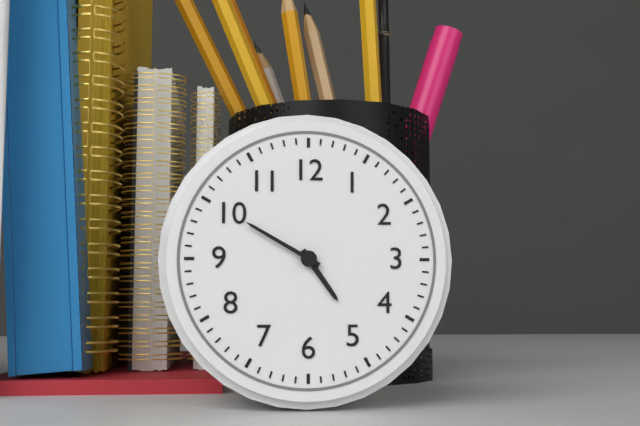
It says 4.50
